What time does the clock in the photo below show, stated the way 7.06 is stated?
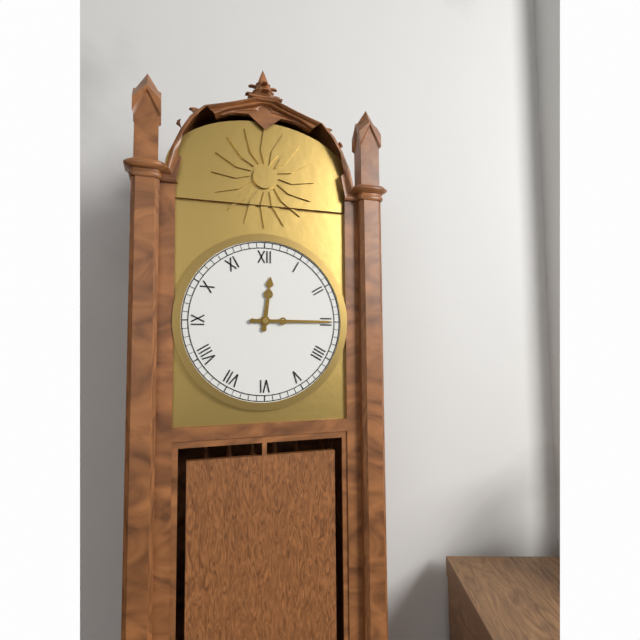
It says 12.15
